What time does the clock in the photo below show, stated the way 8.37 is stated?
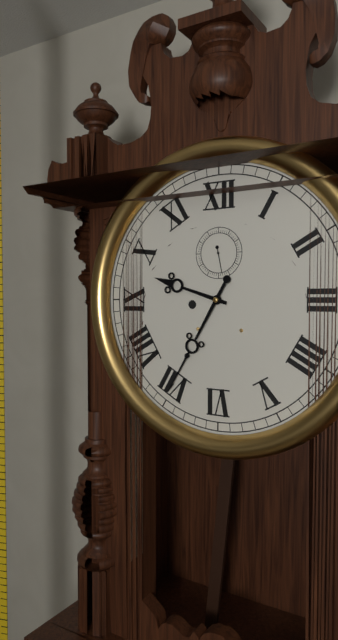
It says 9.35
